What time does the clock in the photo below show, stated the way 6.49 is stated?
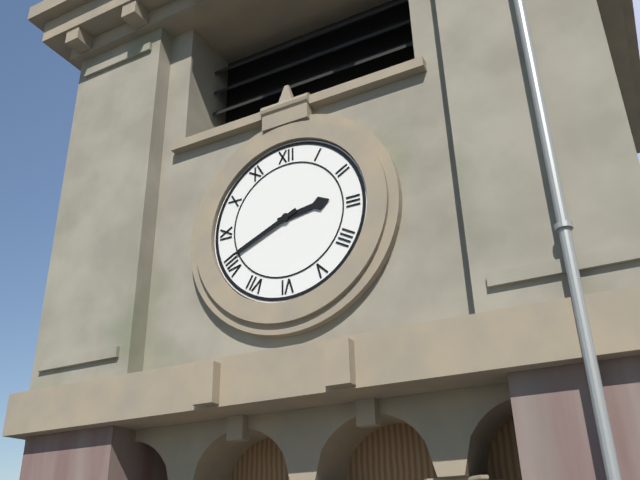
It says 2.41
